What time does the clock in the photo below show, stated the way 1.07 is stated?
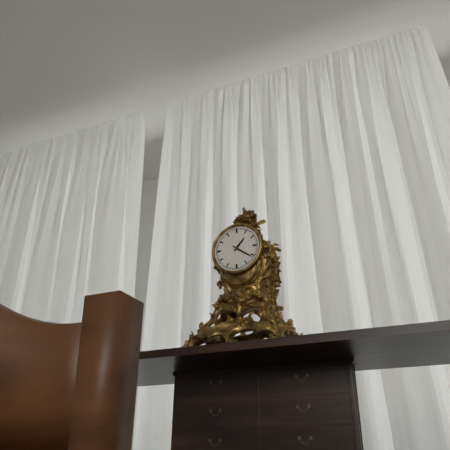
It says 1.21
